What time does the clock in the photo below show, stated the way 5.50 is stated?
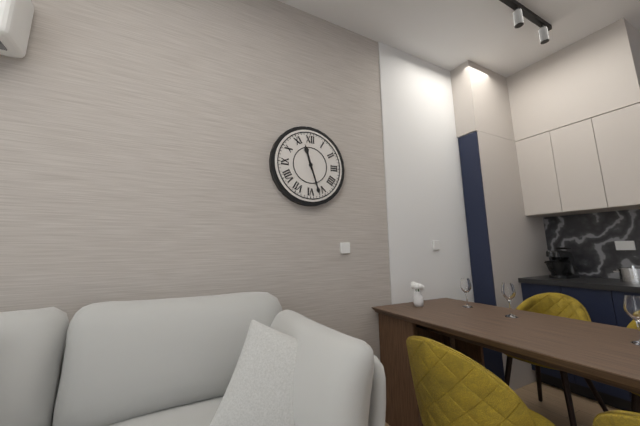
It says 11.27
